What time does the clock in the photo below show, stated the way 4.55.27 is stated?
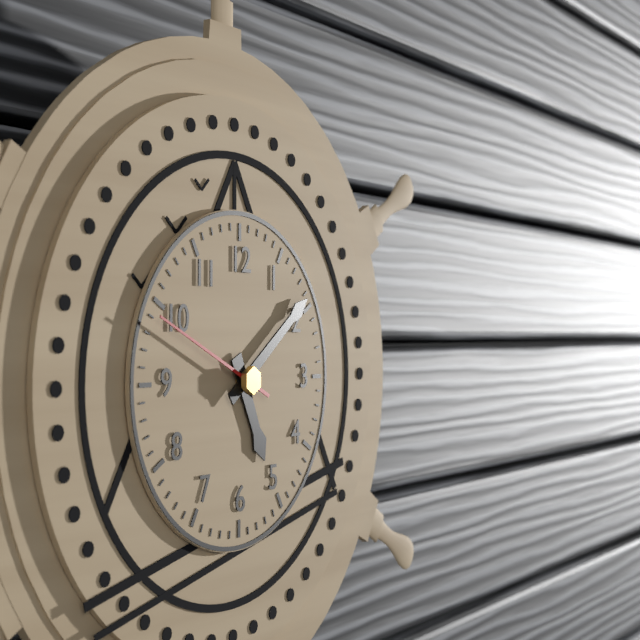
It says 5.09.49
